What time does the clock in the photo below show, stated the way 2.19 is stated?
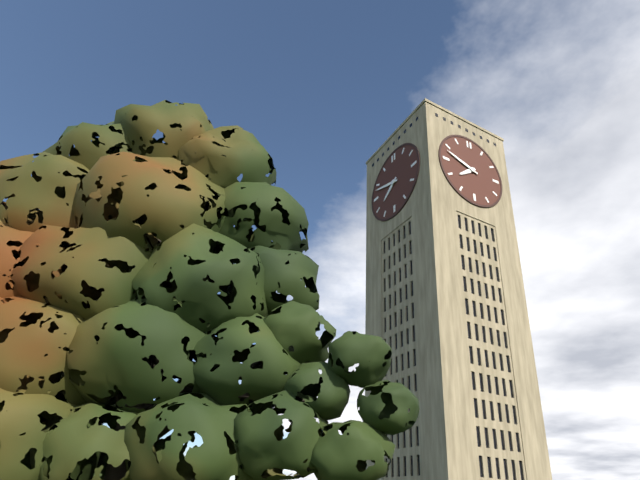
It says 7.48
